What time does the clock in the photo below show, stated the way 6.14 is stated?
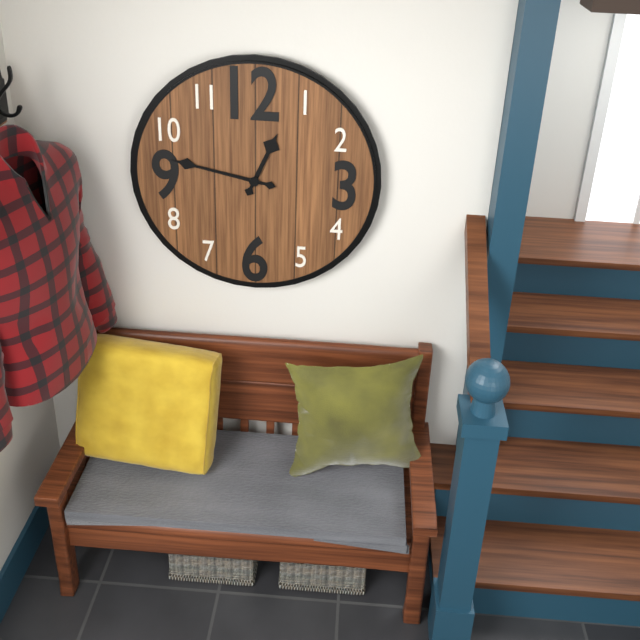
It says 12.47
